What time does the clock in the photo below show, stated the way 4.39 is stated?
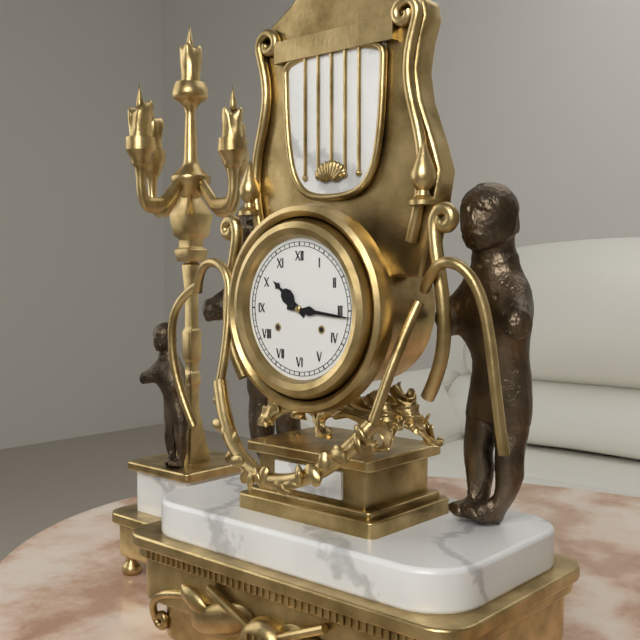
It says 10.16
